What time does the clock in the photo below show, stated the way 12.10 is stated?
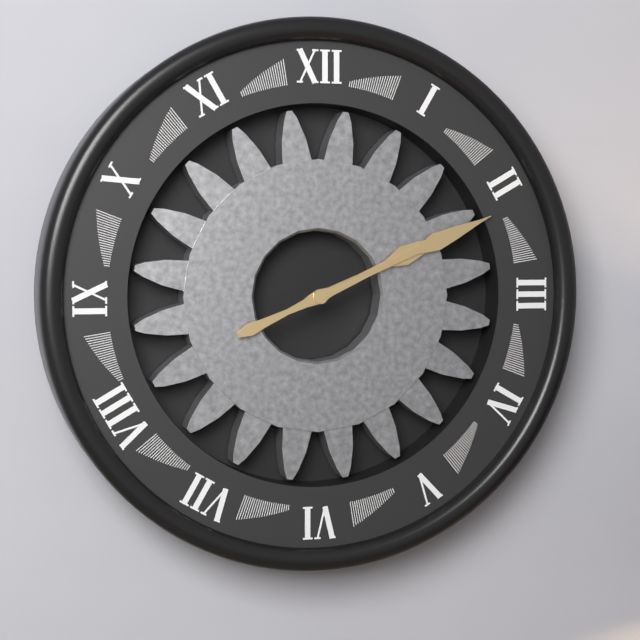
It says 2.11
